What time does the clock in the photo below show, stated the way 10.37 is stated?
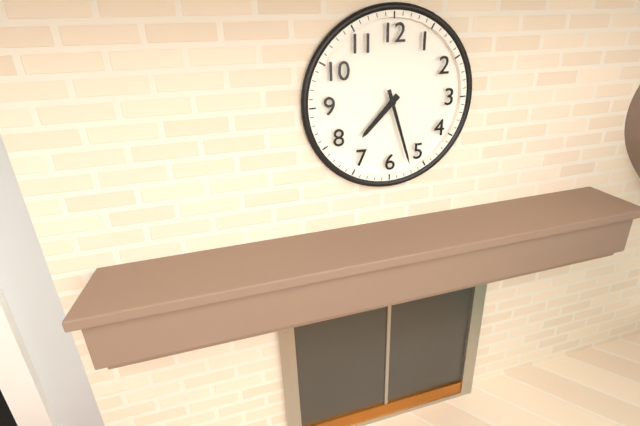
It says 7.27
